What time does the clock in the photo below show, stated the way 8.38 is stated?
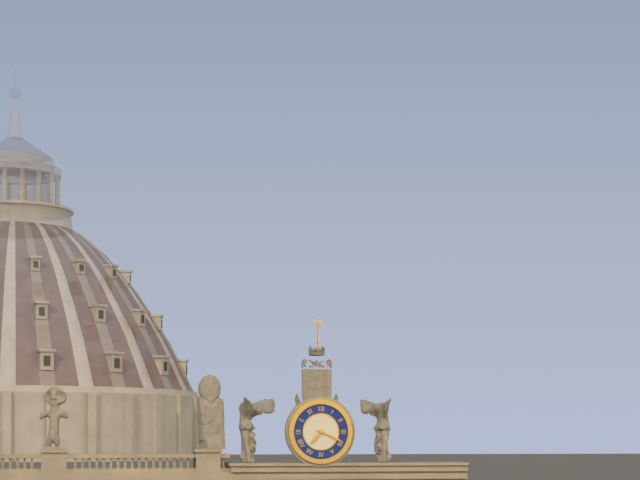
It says 7.19
